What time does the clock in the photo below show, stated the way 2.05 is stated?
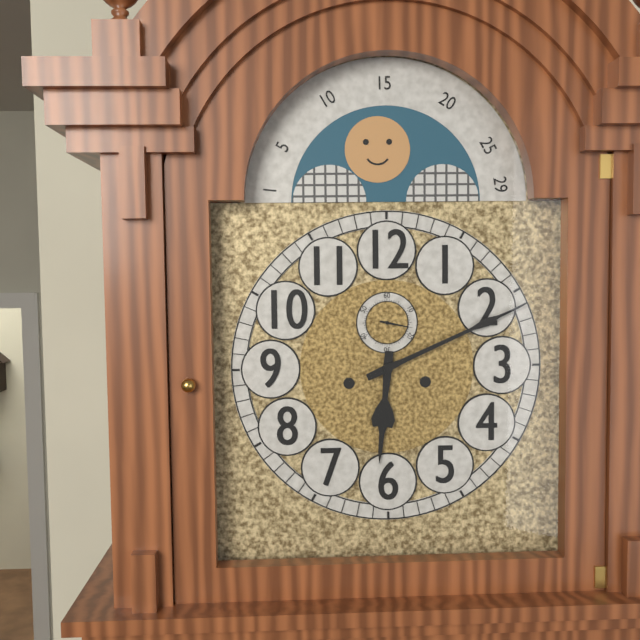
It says 6.11
